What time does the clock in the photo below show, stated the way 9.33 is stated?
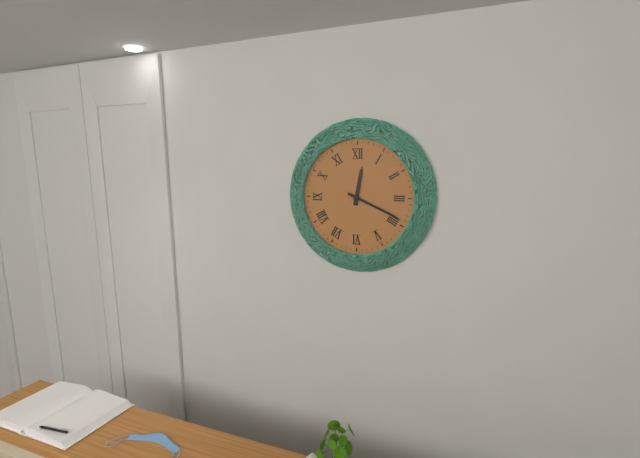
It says 12.19
